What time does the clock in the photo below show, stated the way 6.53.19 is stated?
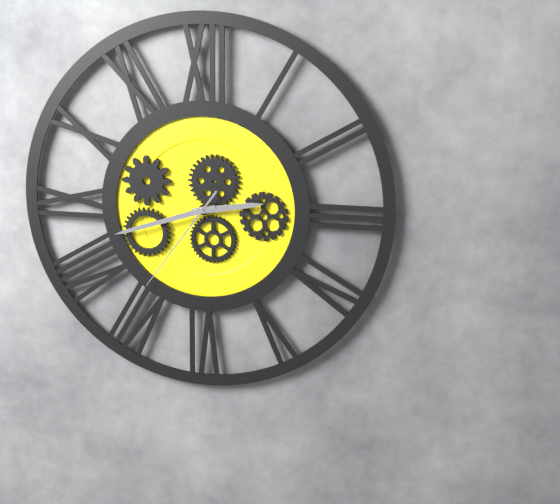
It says 2.42.36
